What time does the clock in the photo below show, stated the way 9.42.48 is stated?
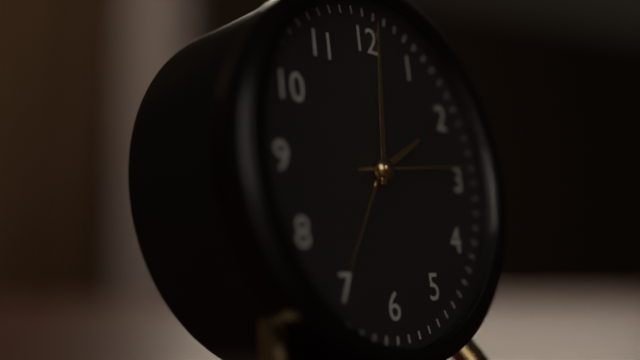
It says 2.01.14
